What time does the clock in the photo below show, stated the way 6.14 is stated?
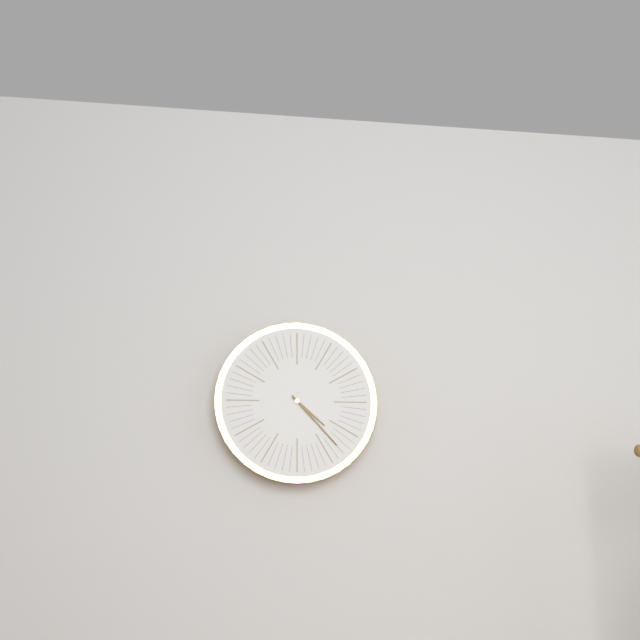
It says 4.23
